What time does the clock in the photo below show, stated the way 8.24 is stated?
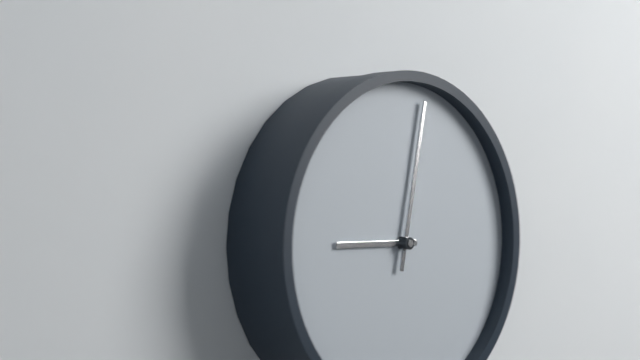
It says 9.02
